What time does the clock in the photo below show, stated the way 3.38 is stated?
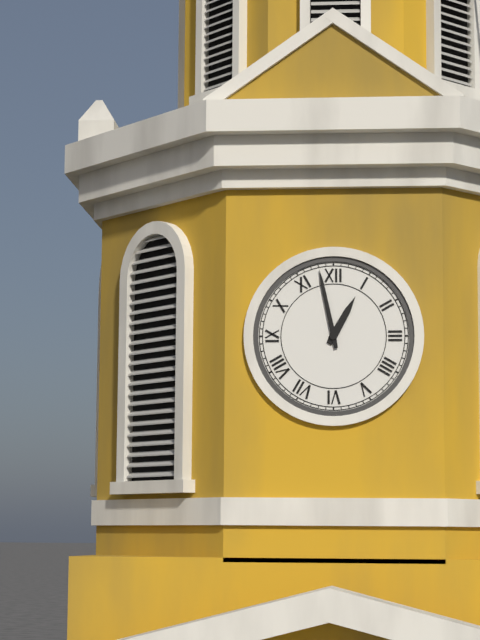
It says 12.58
